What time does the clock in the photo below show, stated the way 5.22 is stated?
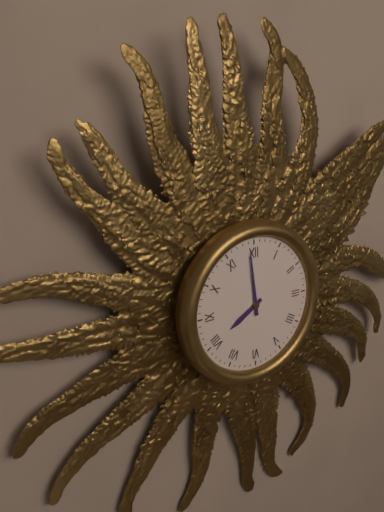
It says 7.59
